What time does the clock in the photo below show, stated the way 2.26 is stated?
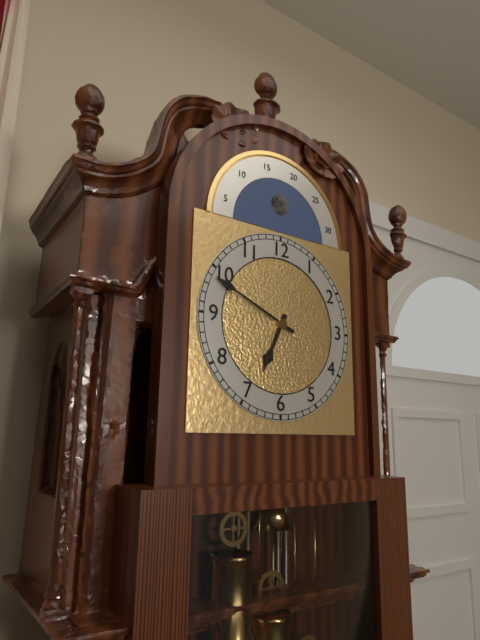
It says 6.49
